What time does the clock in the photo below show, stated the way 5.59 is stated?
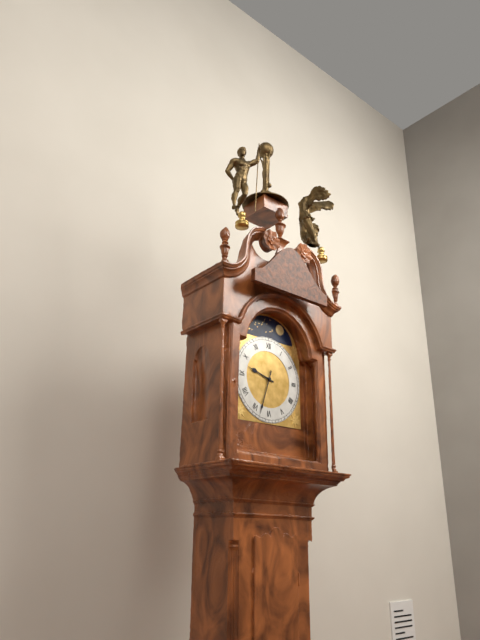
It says 9.33
